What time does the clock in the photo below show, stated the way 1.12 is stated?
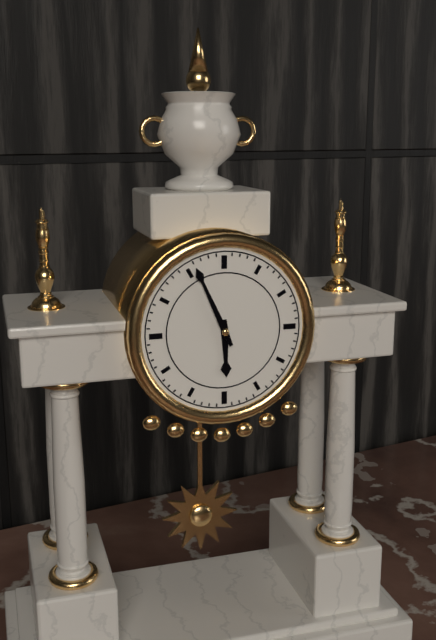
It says 5.56
